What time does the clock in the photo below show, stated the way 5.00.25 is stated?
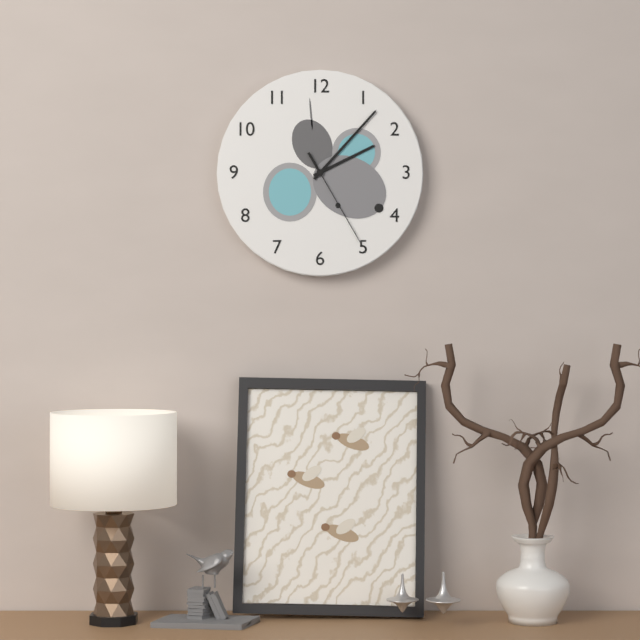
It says 2.07.25
